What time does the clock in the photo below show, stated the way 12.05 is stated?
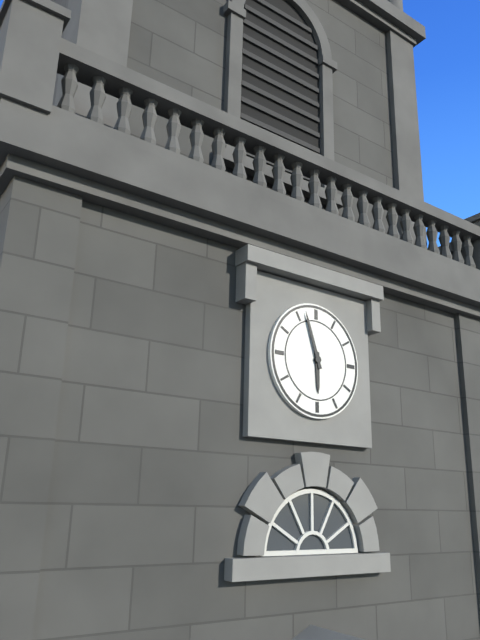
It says 5.57
